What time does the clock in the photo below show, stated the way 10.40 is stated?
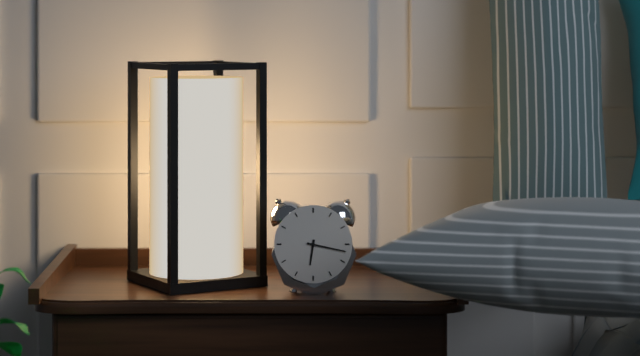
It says 6.17
